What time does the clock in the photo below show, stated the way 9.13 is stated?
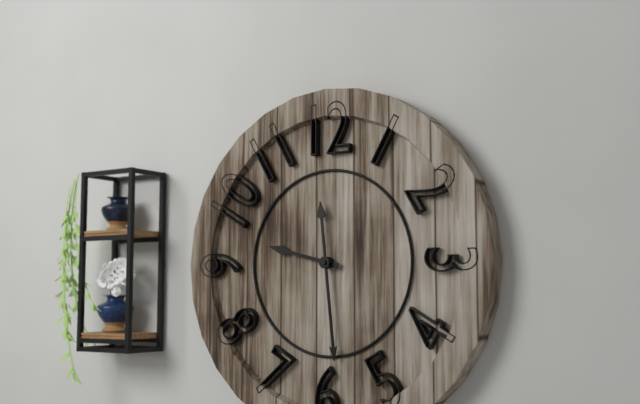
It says 9.29
